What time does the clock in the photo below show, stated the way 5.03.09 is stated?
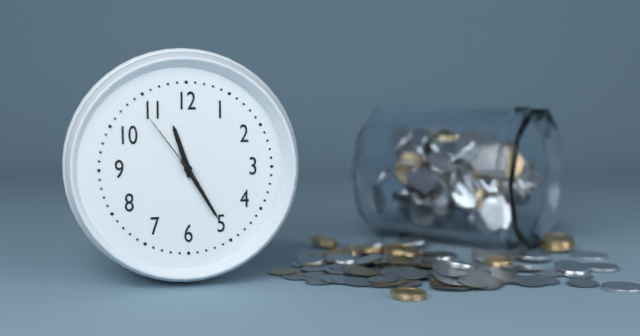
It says 11.25.54
